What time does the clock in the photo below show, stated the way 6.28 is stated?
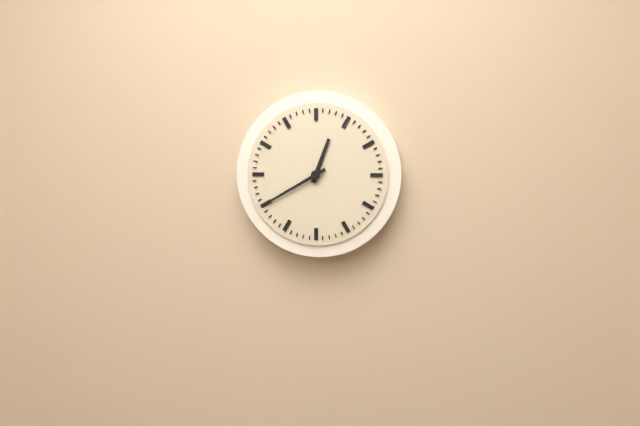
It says 12.40
